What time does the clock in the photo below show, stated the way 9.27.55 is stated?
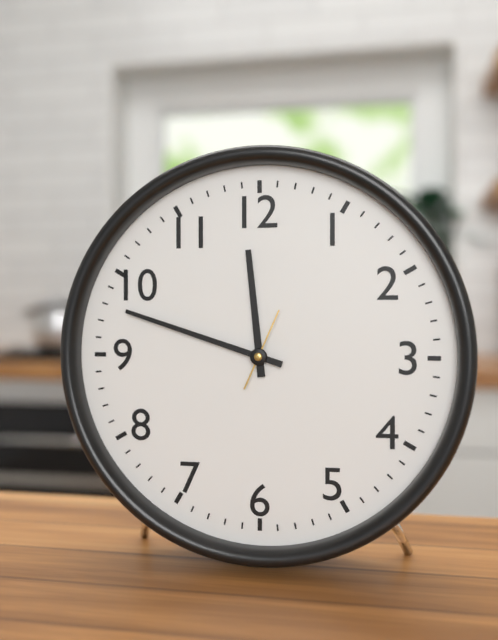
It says 11.48.04
